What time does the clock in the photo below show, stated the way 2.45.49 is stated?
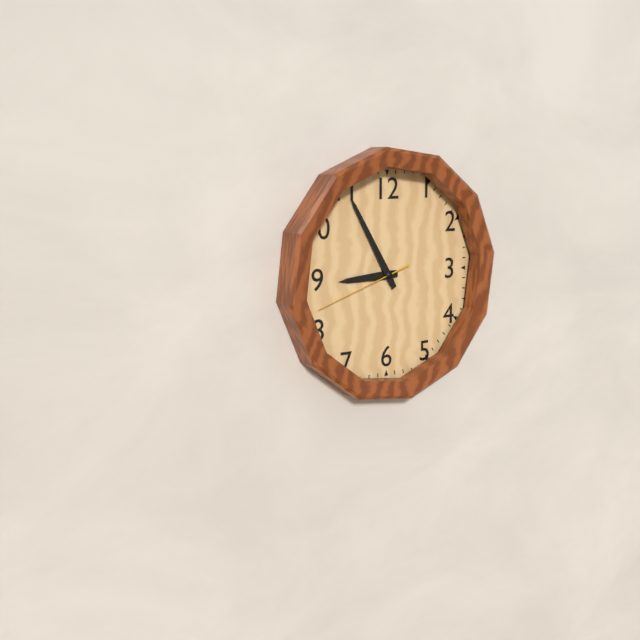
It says 8.55.42
